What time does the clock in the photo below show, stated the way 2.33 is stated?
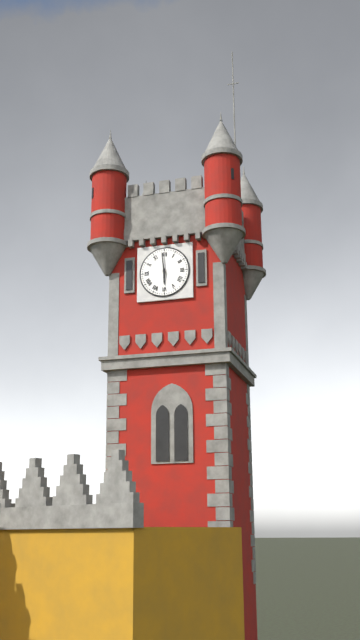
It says 5.59
